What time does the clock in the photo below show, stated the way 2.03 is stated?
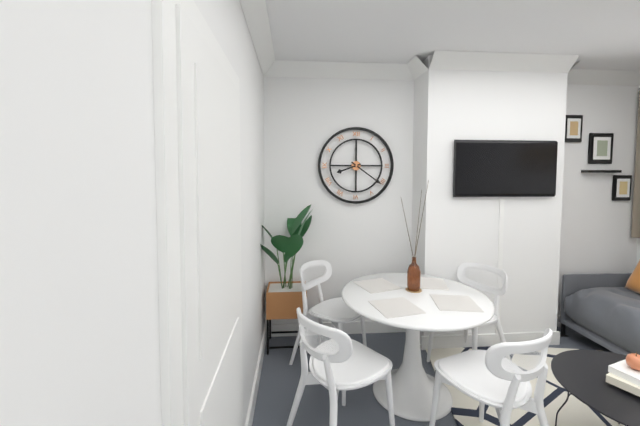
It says 8.21
